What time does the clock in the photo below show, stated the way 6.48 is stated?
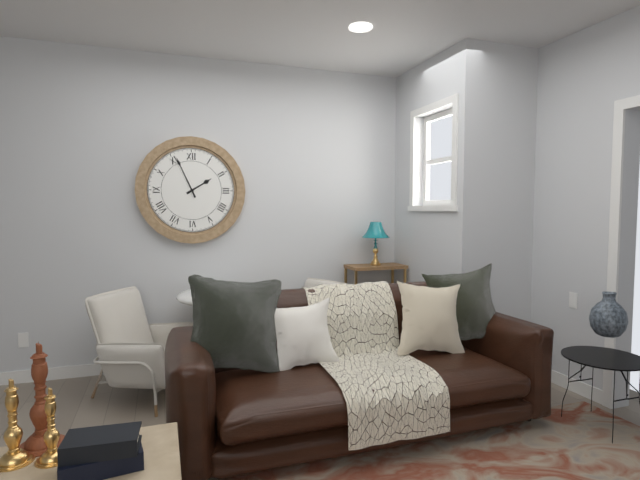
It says 1.56
